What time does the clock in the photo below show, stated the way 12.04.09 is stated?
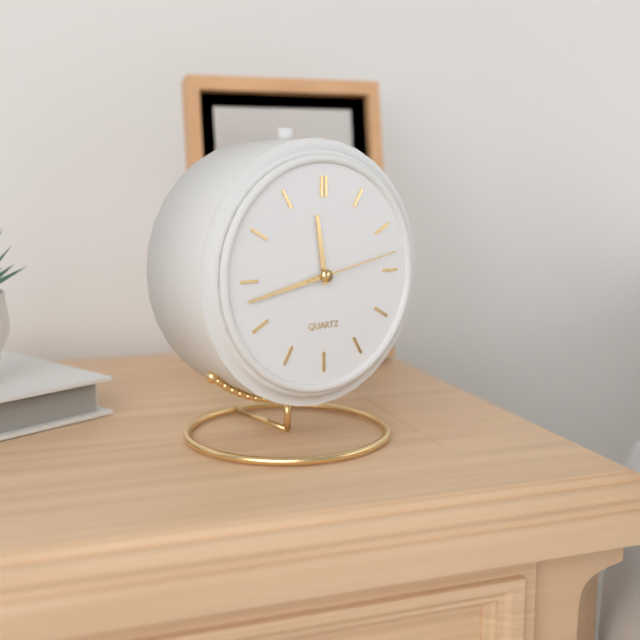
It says 11.43.13
